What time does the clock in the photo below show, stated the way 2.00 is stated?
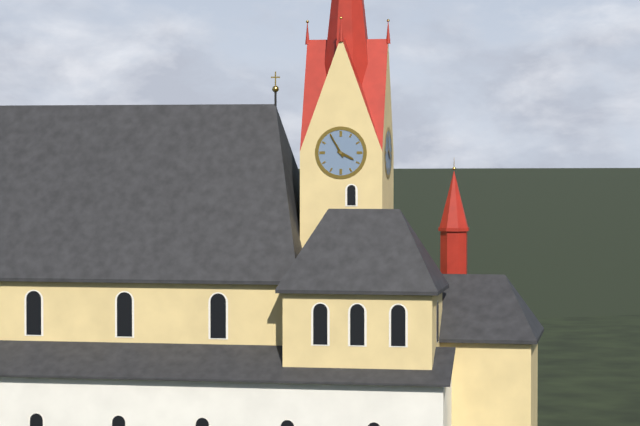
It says 3.55
